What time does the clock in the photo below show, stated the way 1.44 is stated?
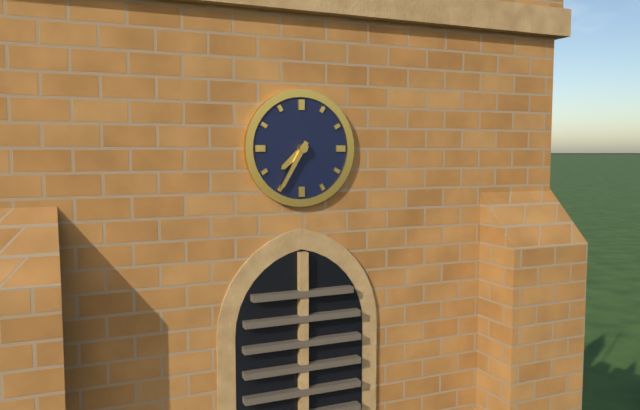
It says 7.35
